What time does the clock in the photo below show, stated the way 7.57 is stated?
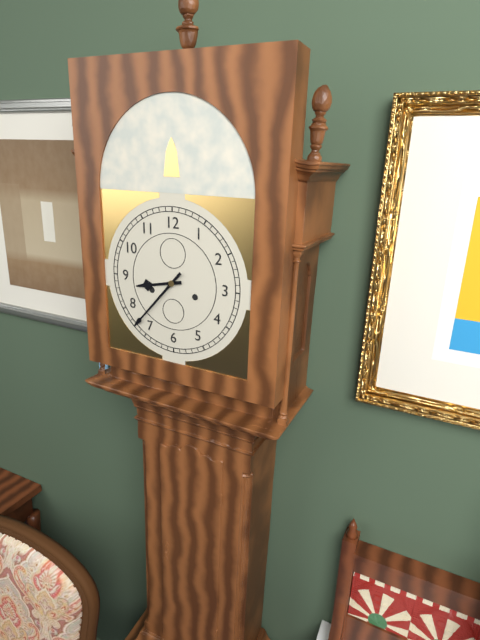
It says 8.37
